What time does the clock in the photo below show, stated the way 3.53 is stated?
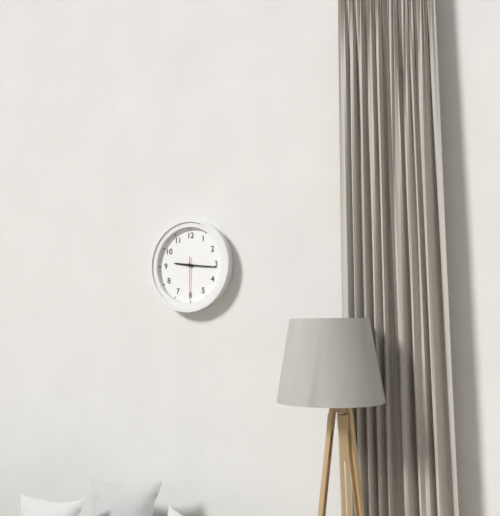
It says 9.16
